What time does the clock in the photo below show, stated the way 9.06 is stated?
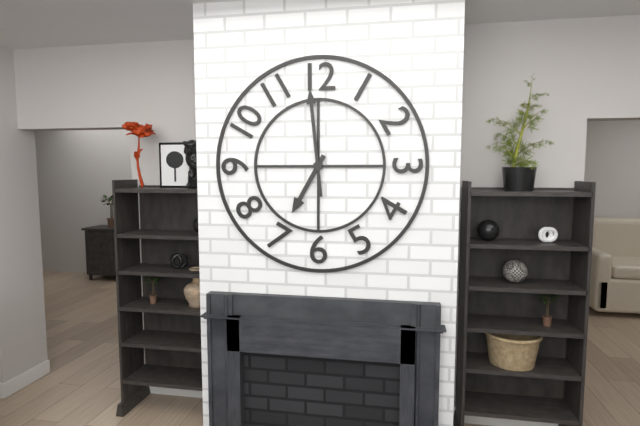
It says 6.59
